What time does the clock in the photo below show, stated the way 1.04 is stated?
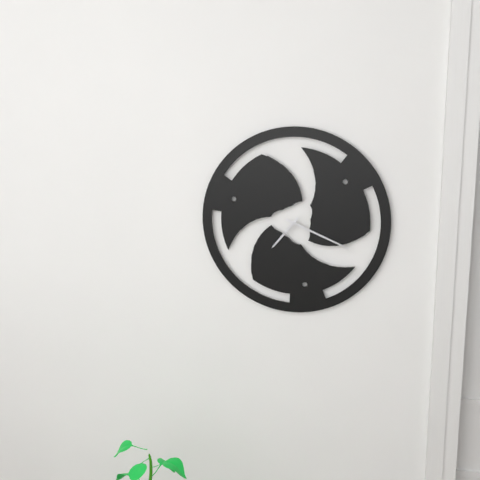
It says 7.19
